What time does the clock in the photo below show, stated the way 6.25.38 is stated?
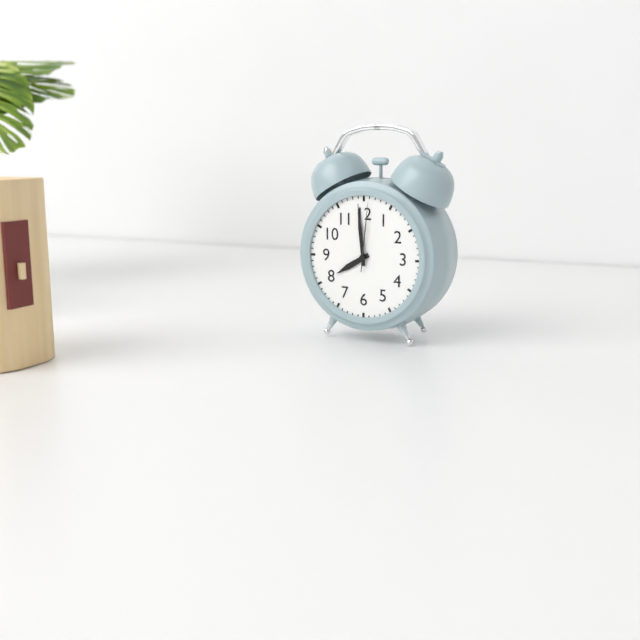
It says 7.59.01
